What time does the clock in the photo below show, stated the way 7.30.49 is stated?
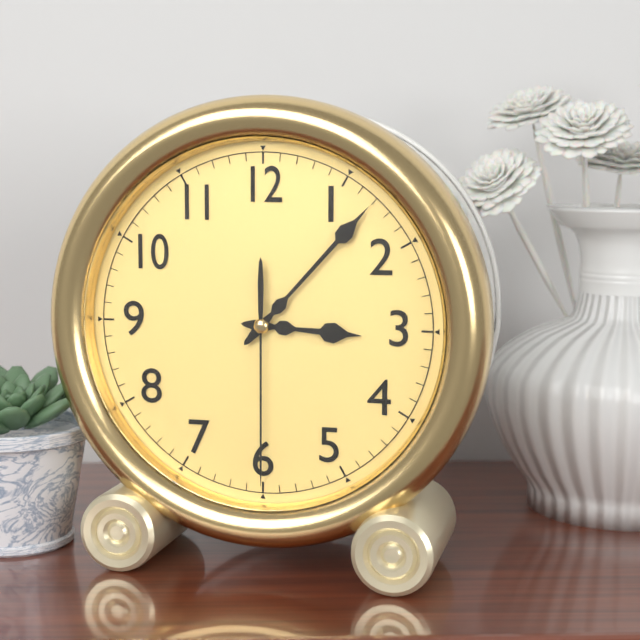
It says 3.07.30
